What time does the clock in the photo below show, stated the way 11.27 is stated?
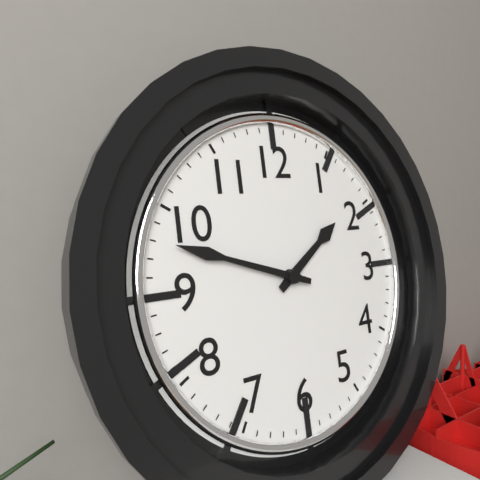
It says 1.48
